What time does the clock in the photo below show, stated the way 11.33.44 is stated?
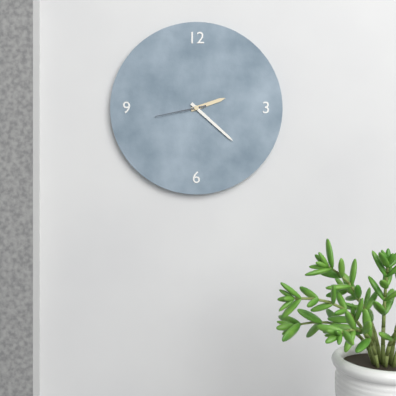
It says 2.22.43
